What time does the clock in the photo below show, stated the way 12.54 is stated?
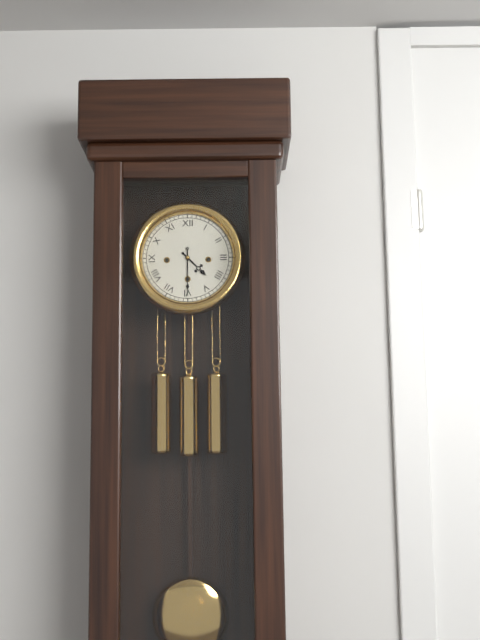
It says 4.30
